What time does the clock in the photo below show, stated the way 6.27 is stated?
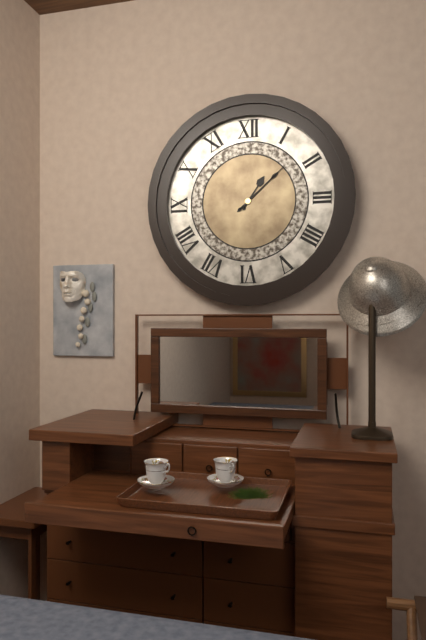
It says 1.08
